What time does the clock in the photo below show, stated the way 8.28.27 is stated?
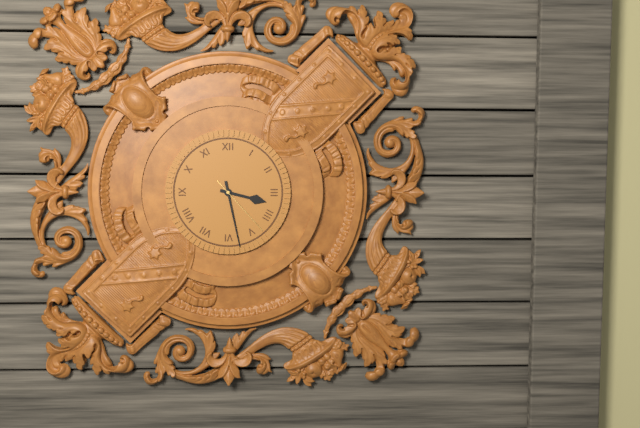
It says 3.28.23
